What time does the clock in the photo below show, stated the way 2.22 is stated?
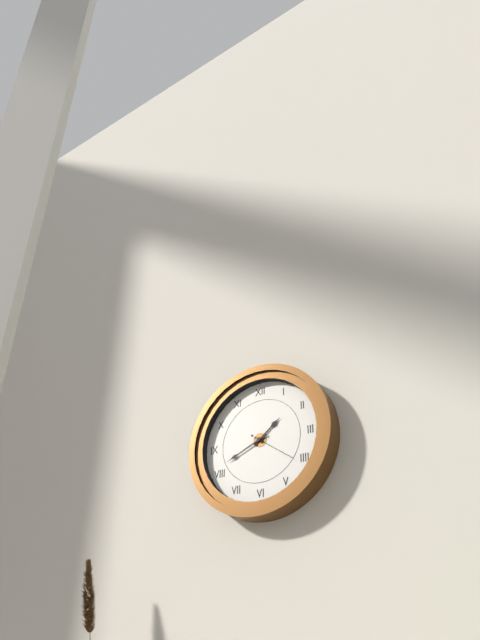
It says 1.41
